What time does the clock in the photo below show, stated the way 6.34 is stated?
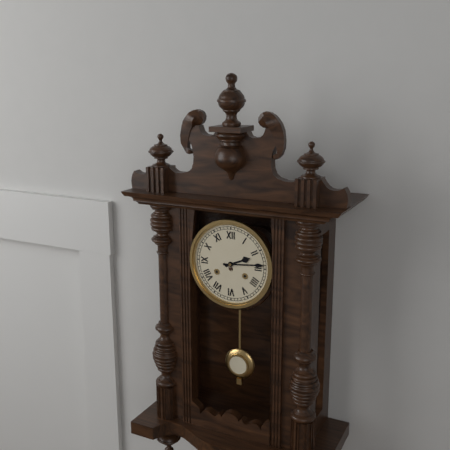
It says 2.14
